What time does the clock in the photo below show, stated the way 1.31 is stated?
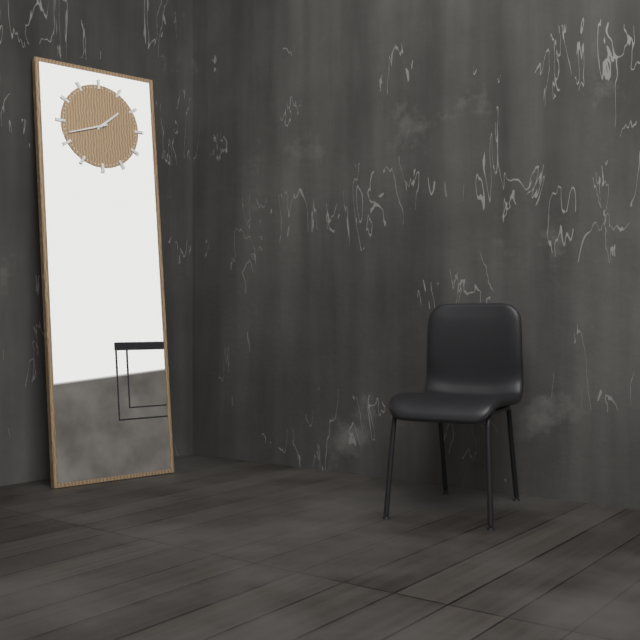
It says 1.42
